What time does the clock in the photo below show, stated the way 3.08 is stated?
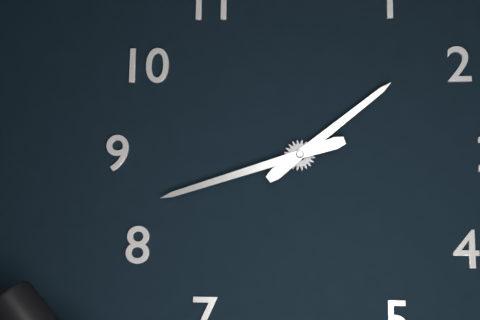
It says 1.42
